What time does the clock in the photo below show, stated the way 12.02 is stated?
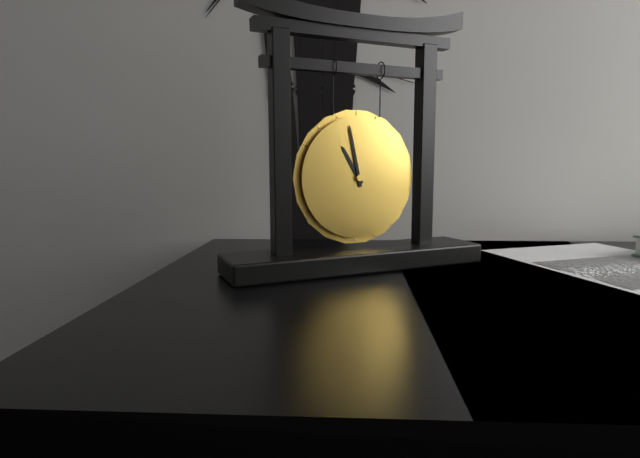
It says 10.58
